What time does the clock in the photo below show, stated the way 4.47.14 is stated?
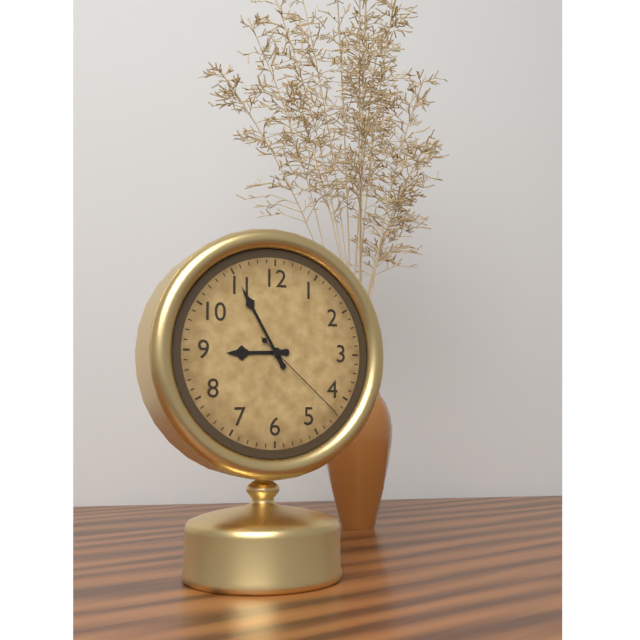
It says 8.55.22
